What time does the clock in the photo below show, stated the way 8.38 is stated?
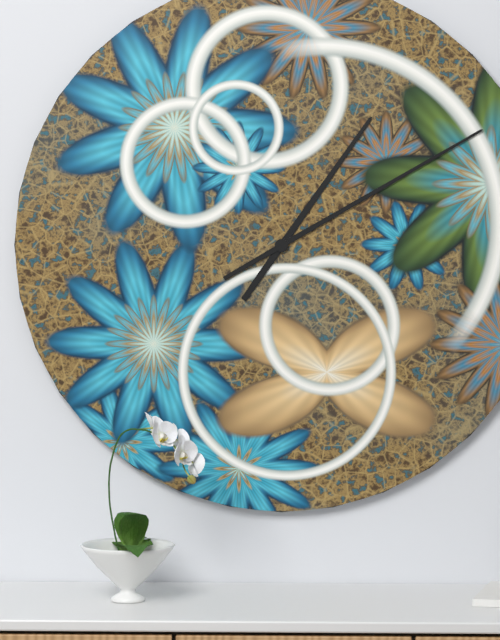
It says 1.10
